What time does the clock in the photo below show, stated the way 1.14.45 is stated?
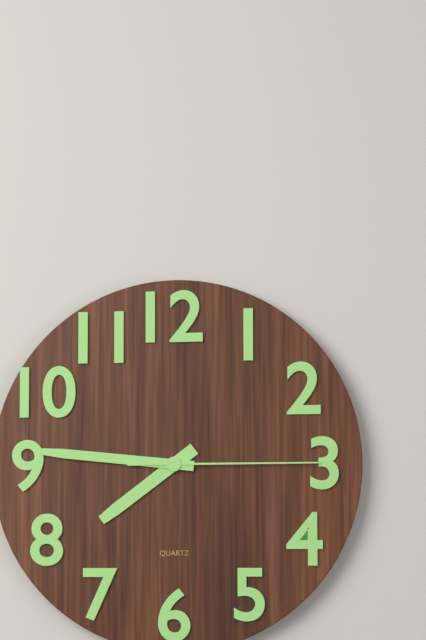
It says 7.46.15
